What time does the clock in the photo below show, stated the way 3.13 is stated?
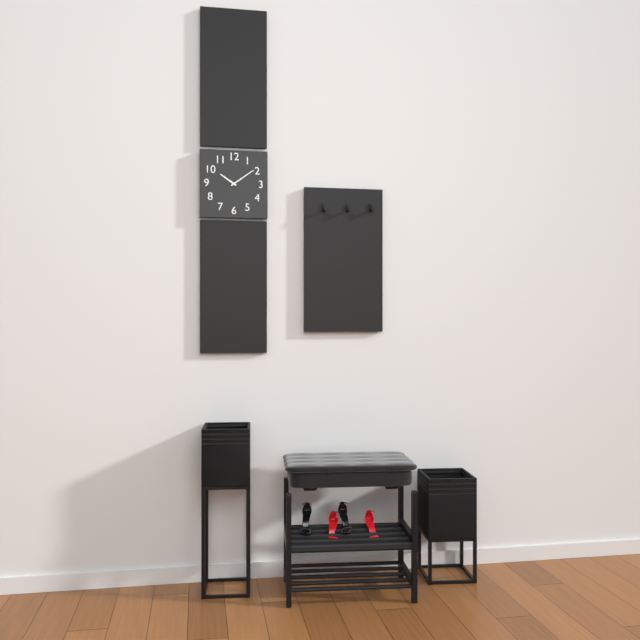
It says 10.09
